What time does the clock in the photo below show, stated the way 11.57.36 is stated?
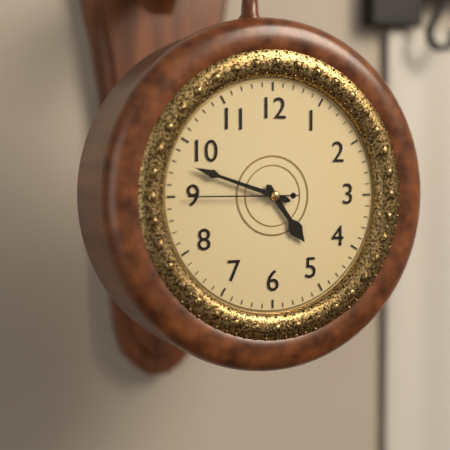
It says 4.48.45
